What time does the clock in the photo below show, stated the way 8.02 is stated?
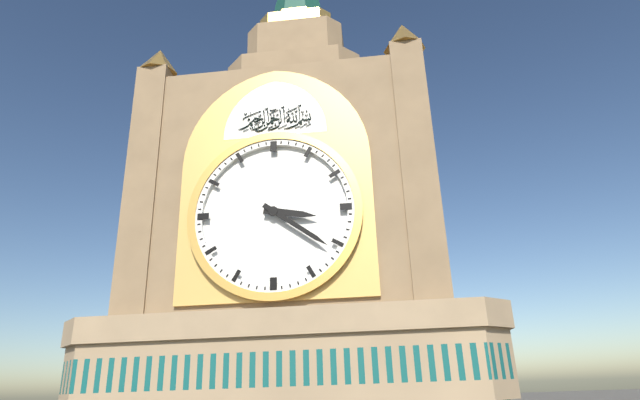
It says 3.21
